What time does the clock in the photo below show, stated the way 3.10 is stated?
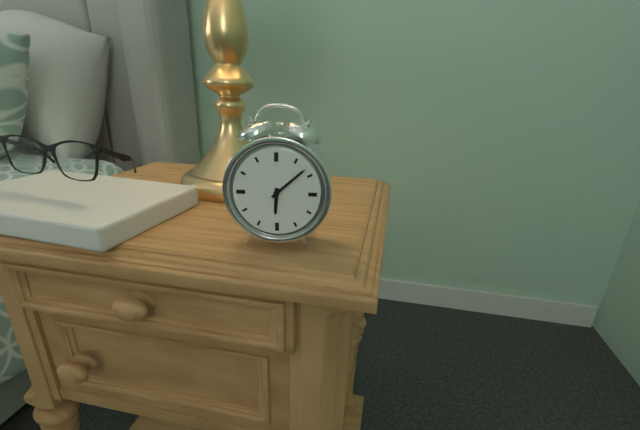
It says 6.08
